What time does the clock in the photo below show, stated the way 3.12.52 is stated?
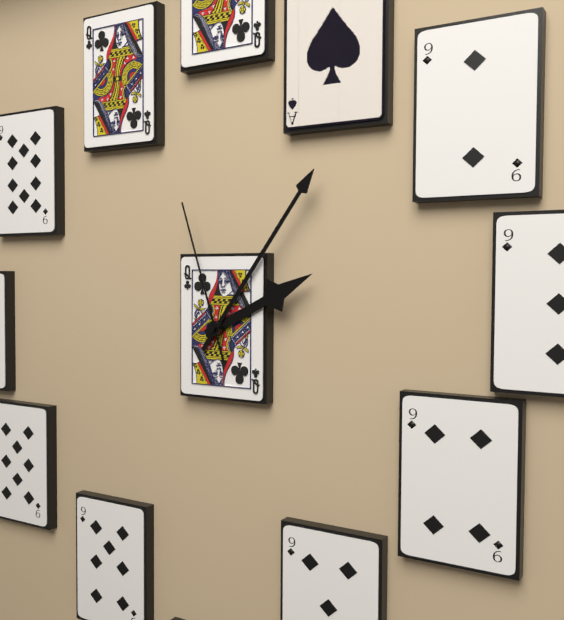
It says 2.06.57
